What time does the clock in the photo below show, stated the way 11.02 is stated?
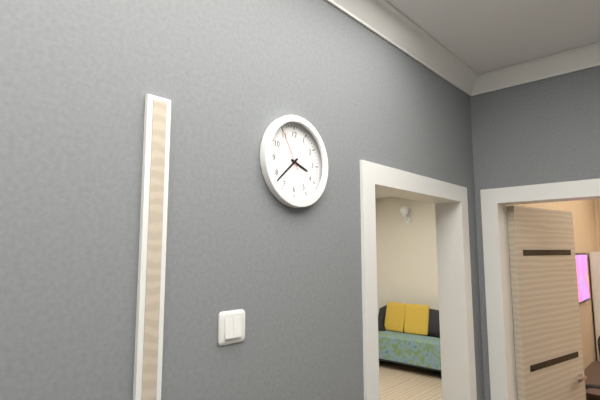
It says 3.38
